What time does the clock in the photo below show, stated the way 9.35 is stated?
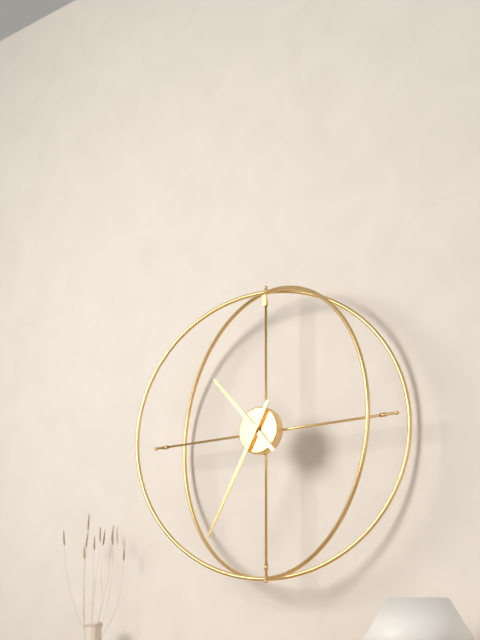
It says 10.35
